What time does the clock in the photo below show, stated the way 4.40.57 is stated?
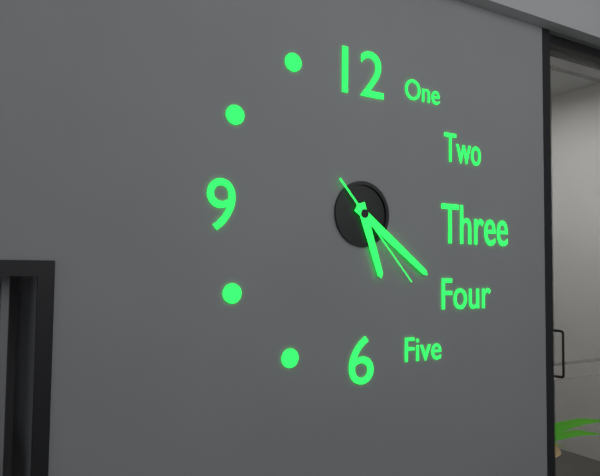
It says 5.21.23
